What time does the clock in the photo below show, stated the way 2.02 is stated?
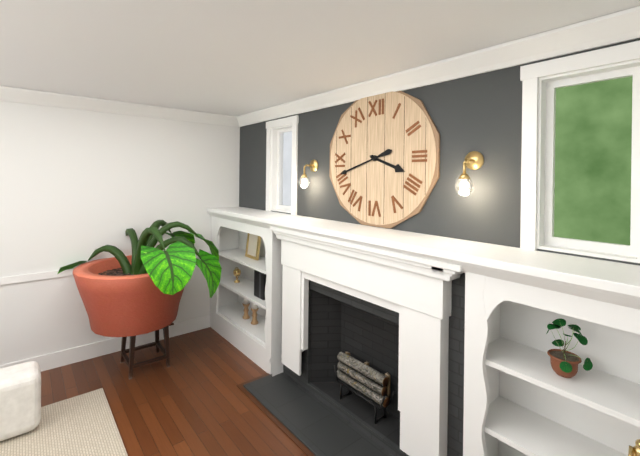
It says 3.42
